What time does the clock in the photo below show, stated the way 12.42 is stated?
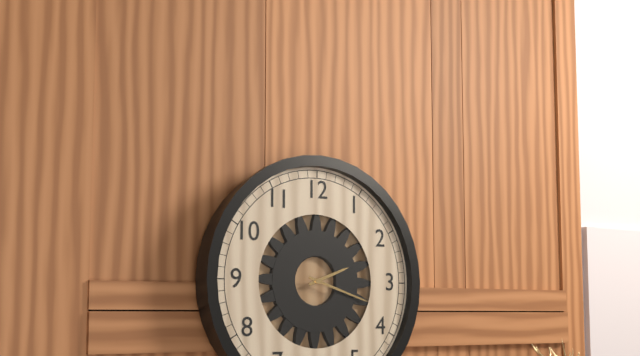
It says 2.18
